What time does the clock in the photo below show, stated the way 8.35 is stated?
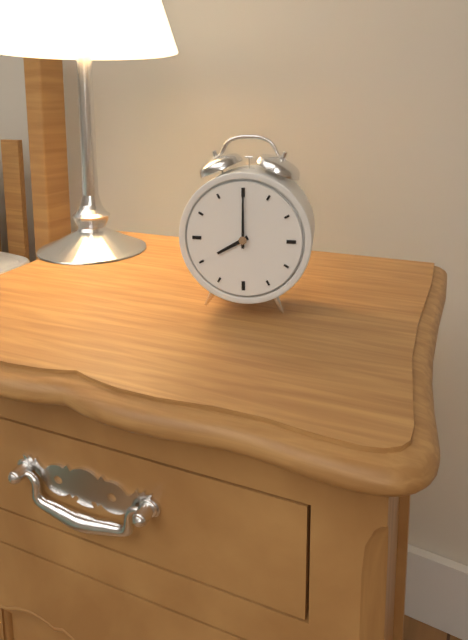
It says 8.00
